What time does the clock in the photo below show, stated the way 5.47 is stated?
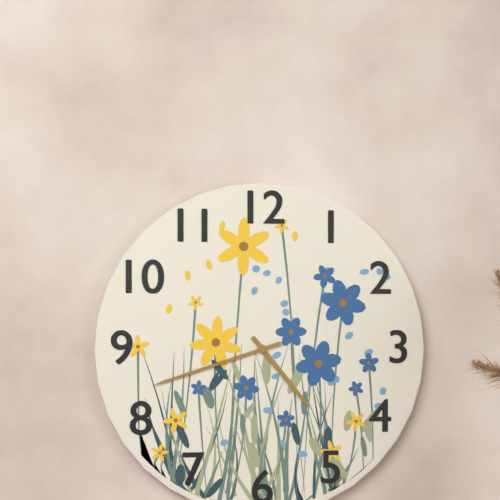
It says 4.42
